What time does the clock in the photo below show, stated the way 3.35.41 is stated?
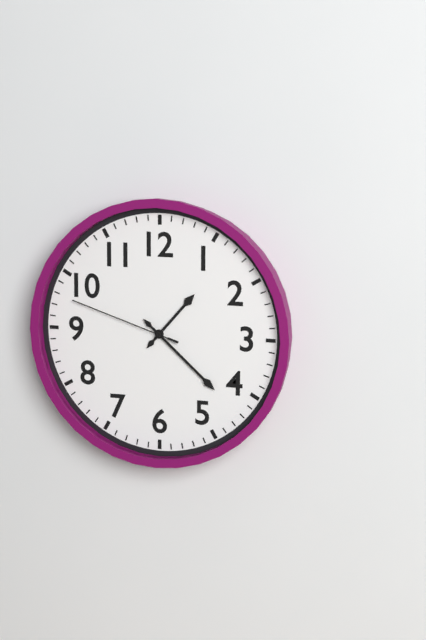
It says 1.22.48
